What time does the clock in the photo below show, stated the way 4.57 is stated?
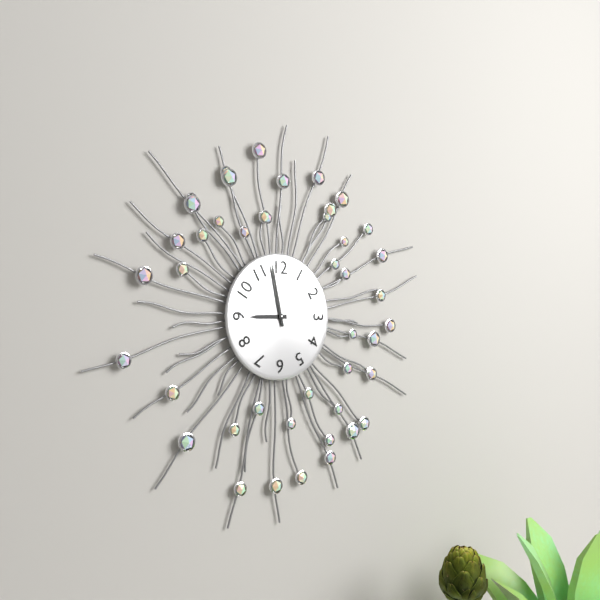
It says 8.58
